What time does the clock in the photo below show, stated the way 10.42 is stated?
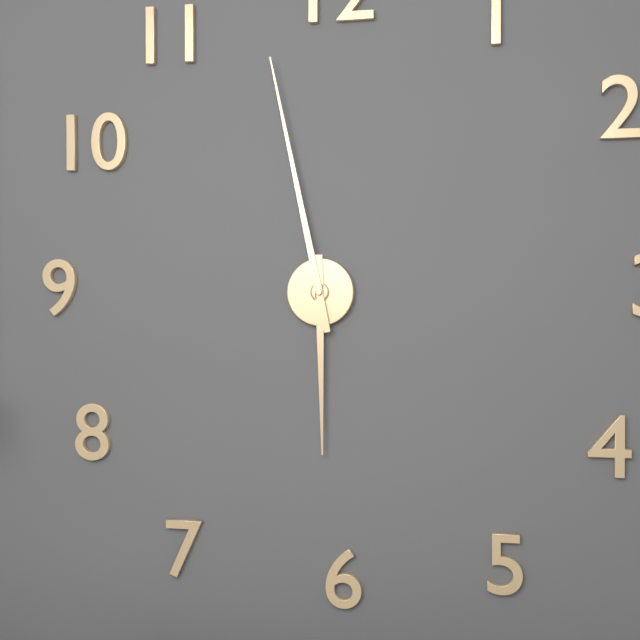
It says 5.58
